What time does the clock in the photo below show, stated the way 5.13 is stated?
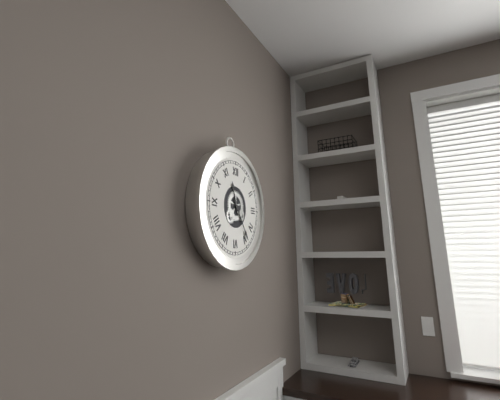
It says 11.24
